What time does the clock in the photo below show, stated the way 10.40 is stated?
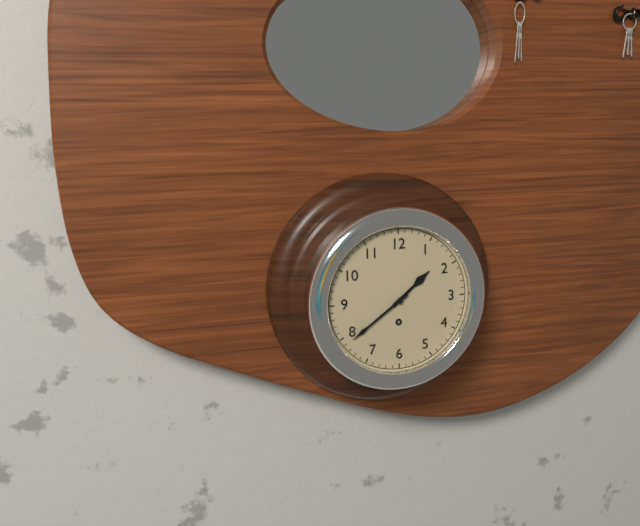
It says 1.39
